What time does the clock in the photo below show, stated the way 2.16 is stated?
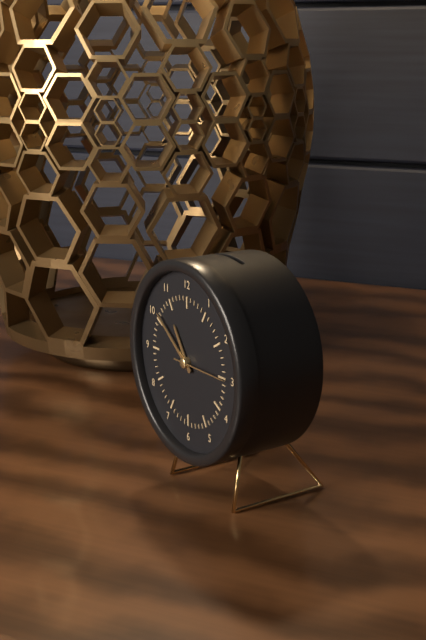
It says 10.51
